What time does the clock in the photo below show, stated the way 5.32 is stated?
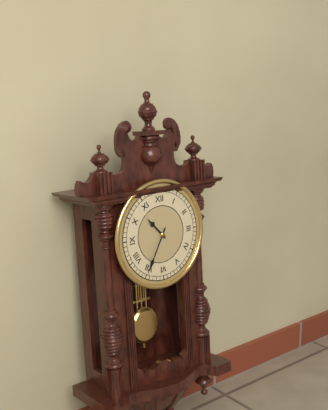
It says 10.35
